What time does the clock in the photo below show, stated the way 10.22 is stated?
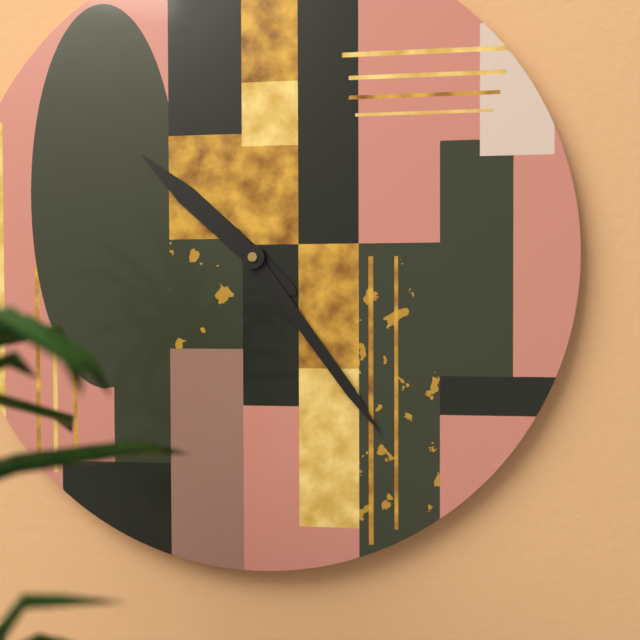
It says 10.24
